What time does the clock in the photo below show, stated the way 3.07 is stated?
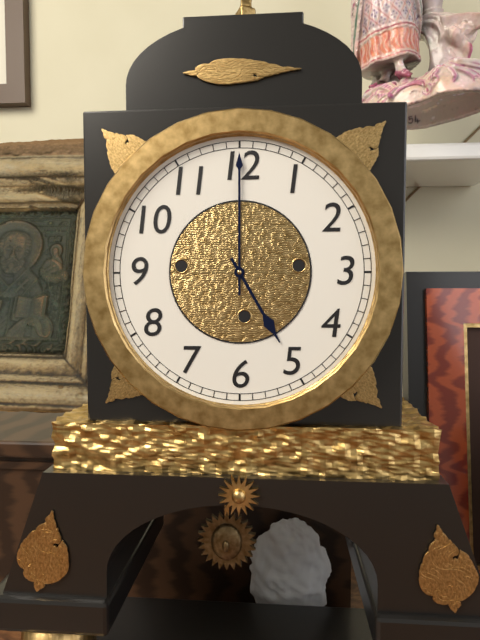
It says 5.00
